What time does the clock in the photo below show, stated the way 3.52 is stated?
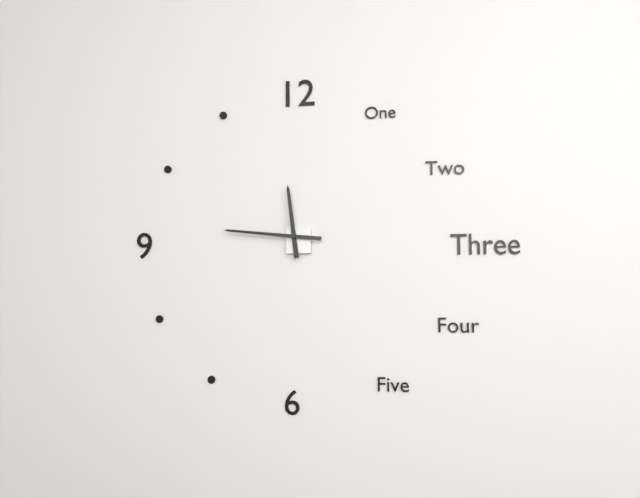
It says 11.46
